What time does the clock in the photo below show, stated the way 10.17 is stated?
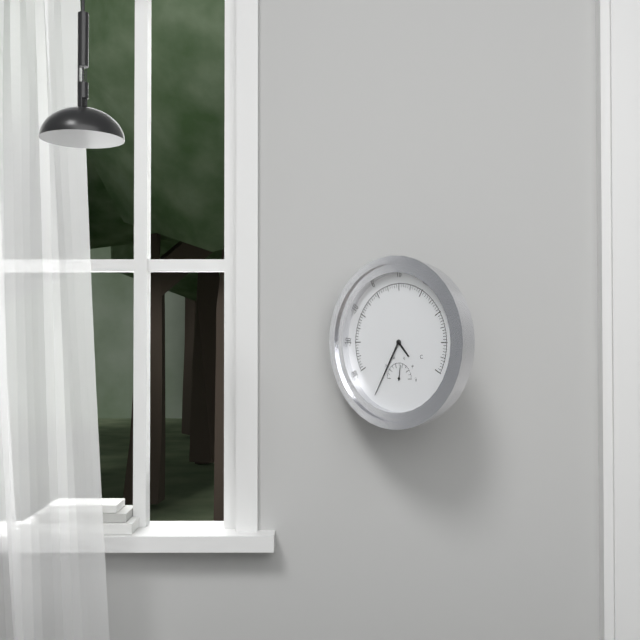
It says 4.35
